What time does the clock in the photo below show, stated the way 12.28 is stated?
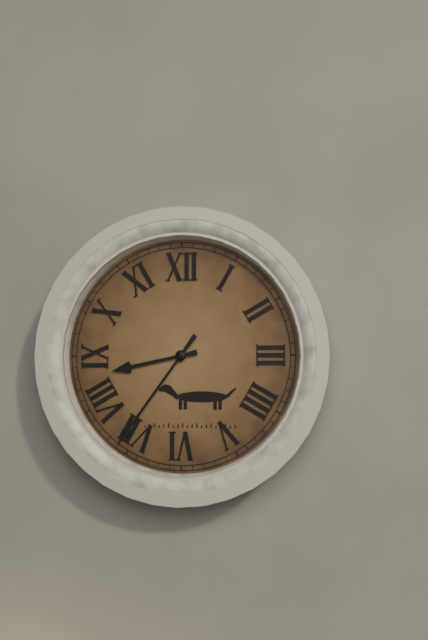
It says 8.36
